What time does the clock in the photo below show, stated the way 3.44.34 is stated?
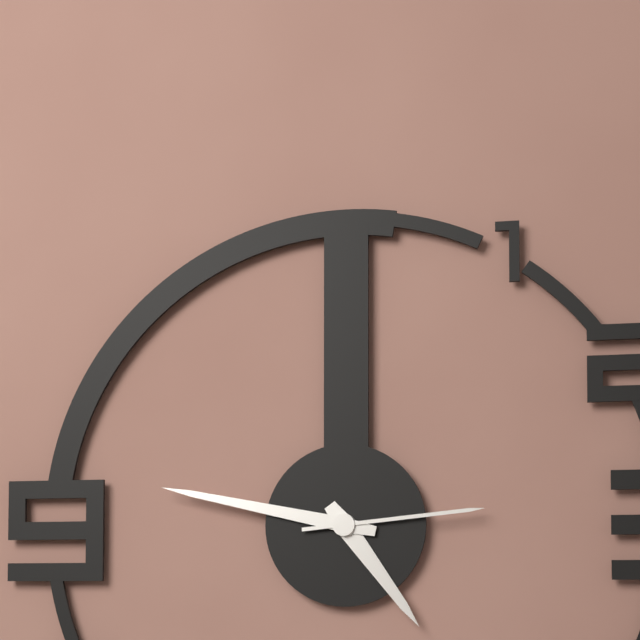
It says 4.47.14
